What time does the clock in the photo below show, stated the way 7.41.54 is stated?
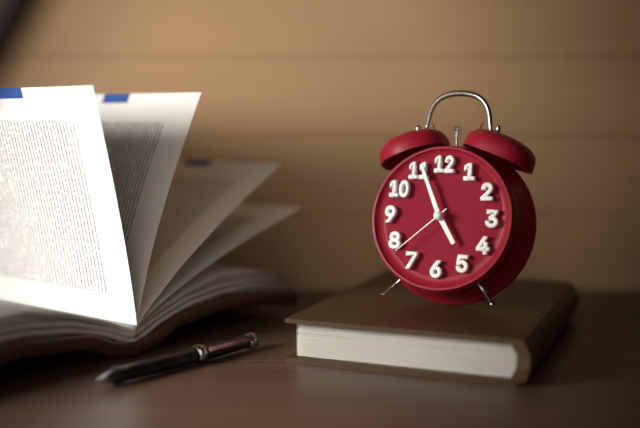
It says 4.56.38
